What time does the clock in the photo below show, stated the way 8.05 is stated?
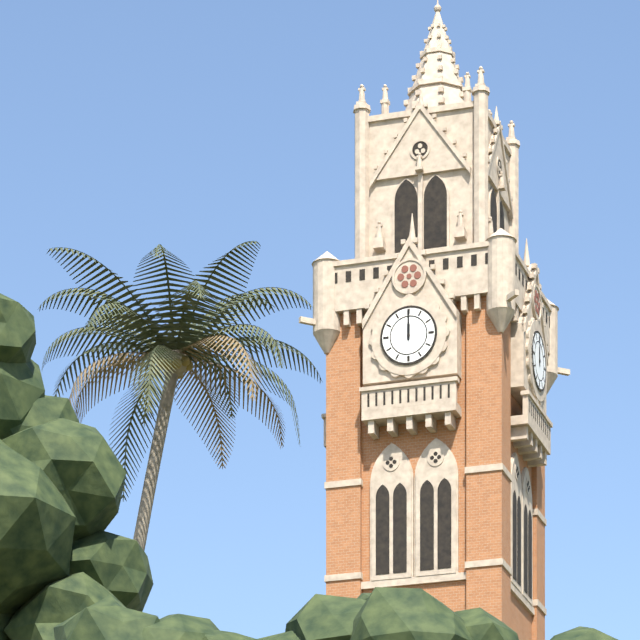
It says 12.00
